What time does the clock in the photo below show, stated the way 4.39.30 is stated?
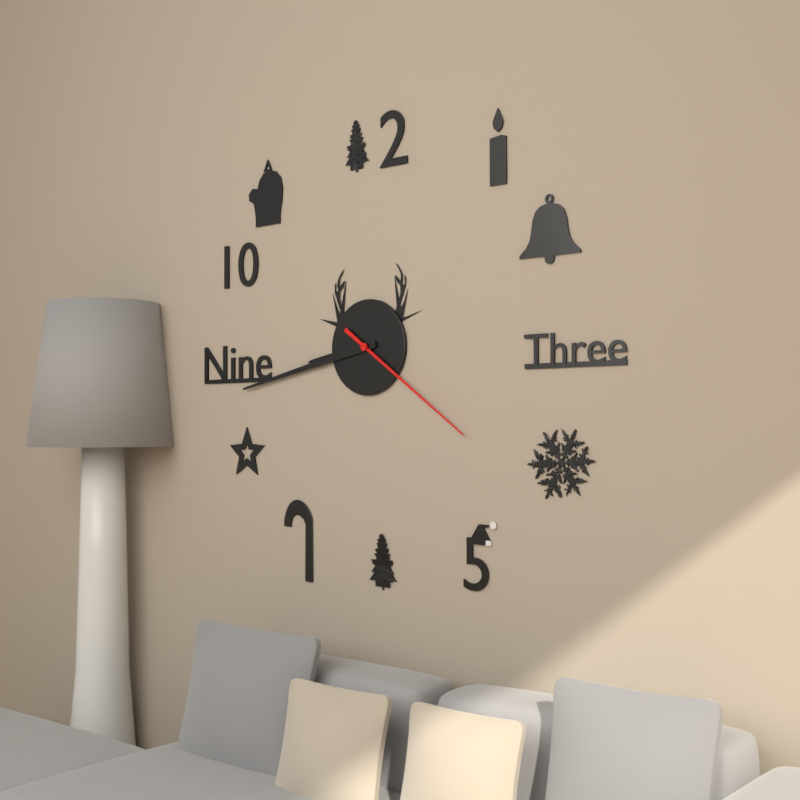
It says 8.43.21
